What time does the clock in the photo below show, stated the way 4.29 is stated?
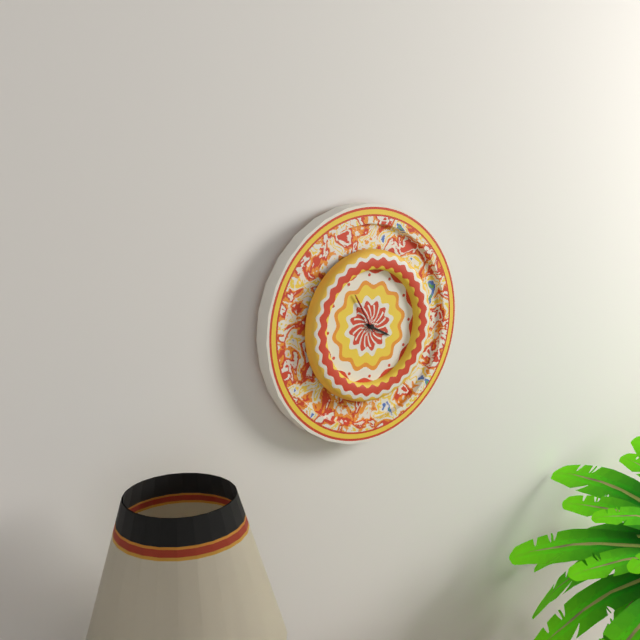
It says 3.55
